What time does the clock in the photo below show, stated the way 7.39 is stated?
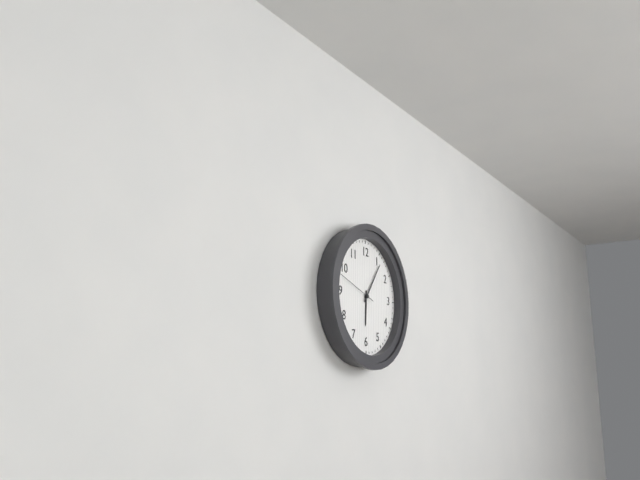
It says 6.06
